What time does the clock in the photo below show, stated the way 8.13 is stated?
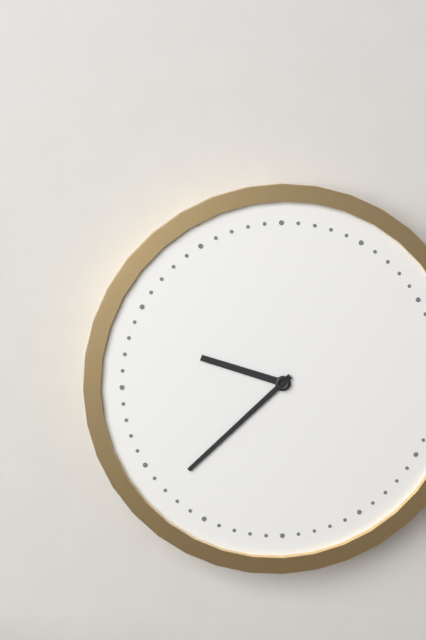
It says 9.38
